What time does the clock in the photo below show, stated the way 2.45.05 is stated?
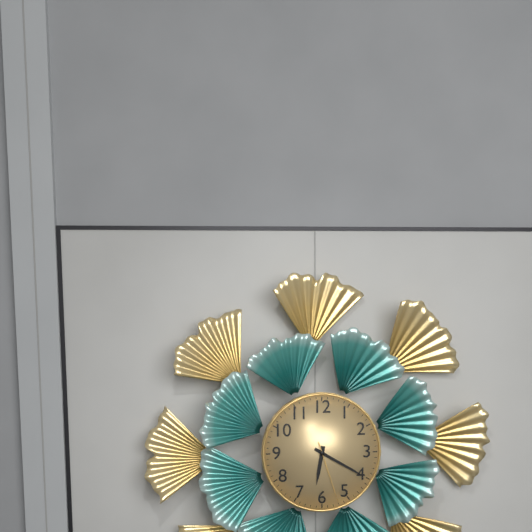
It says 6.20.27
